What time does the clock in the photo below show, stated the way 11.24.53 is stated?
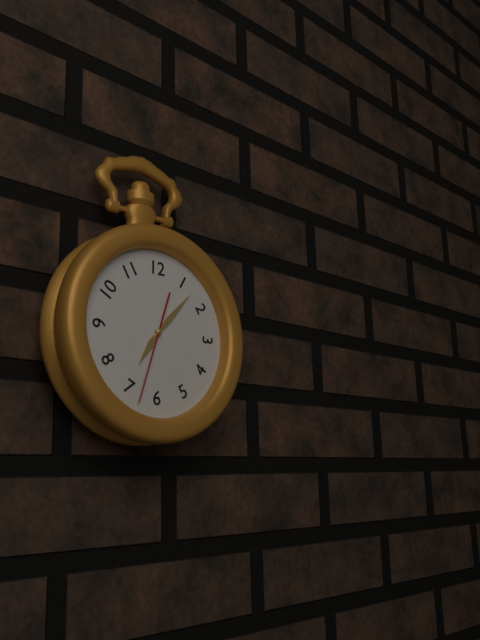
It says 7.07.33
